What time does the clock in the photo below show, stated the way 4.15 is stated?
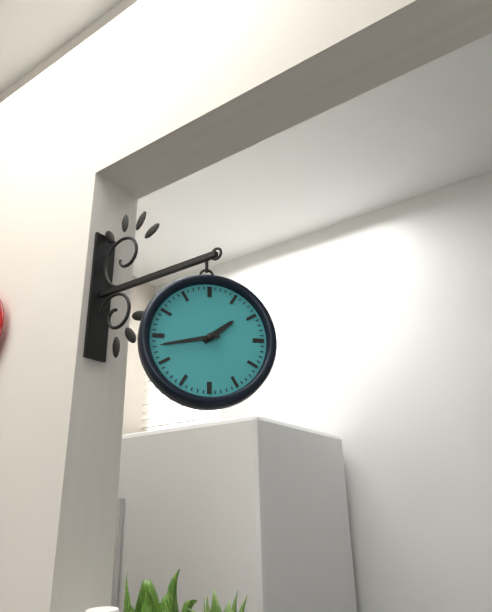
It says 1.43
